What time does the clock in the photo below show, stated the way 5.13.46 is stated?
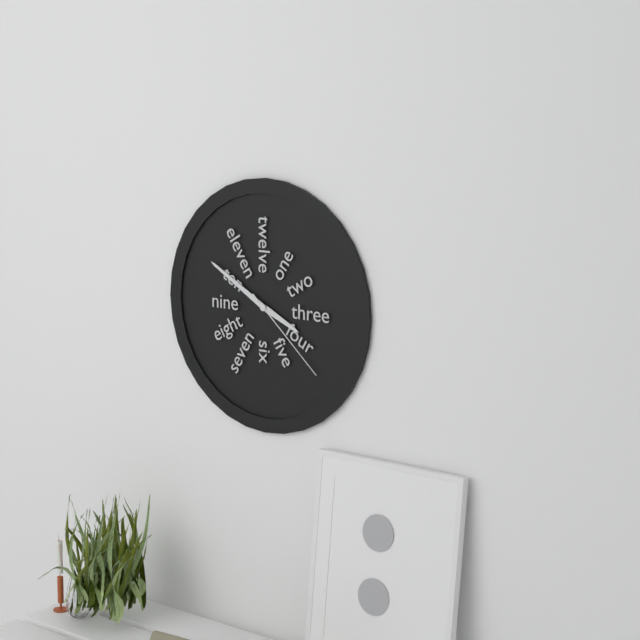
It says 3.50.22
